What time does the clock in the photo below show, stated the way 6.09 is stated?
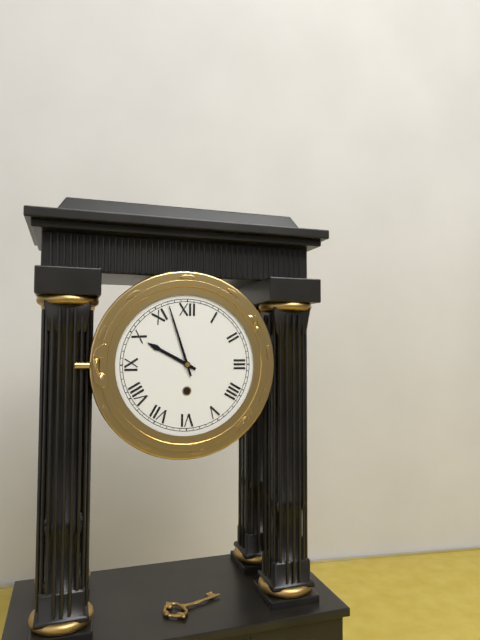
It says 9.57
